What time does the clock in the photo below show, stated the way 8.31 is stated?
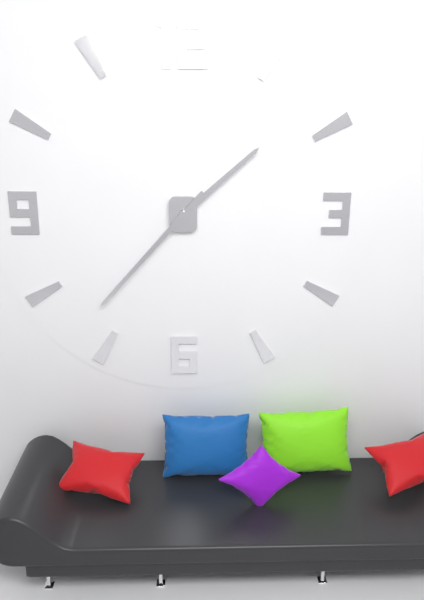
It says 1.37
